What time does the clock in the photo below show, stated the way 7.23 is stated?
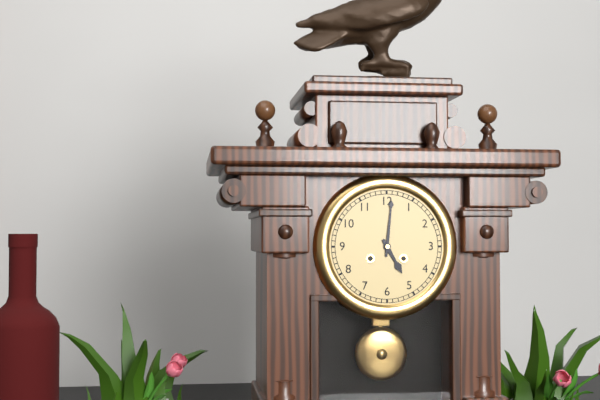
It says 5.01
